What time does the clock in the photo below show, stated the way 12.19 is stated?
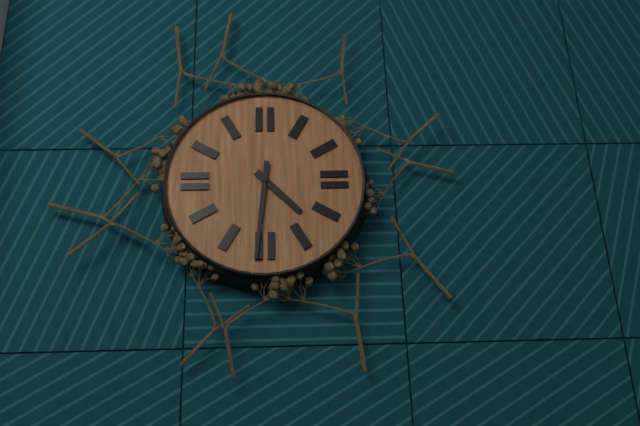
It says 4.31
